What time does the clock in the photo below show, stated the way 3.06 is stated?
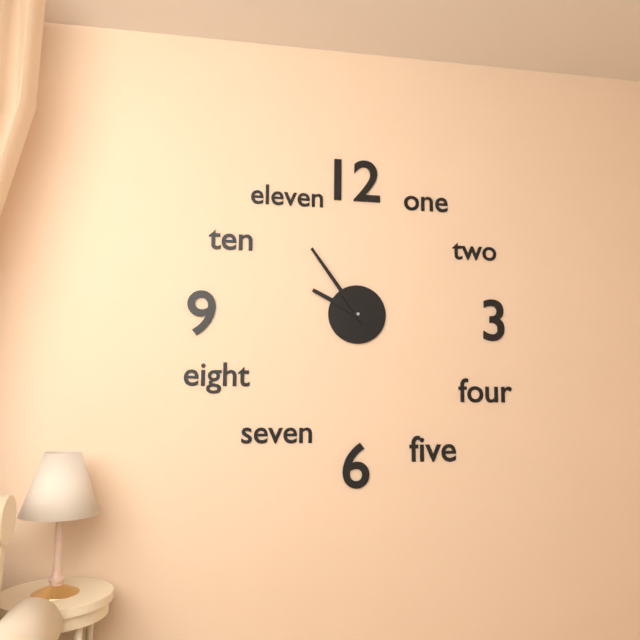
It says 9.54
